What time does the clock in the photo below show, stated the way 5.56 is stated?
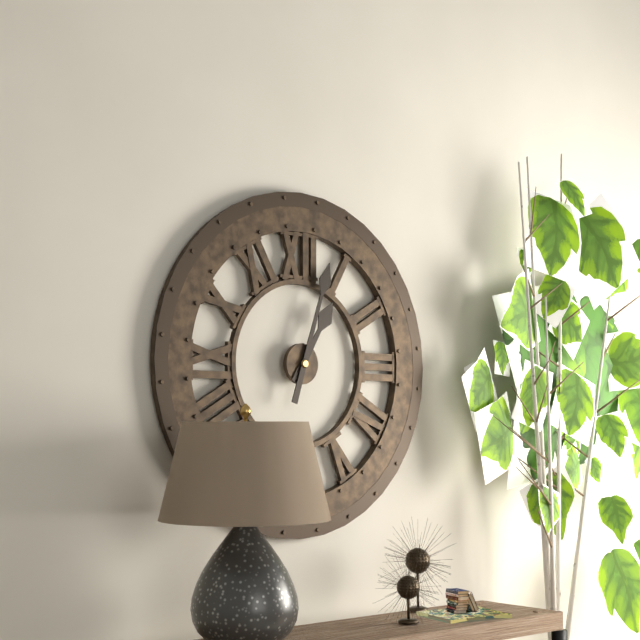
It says 1.03
